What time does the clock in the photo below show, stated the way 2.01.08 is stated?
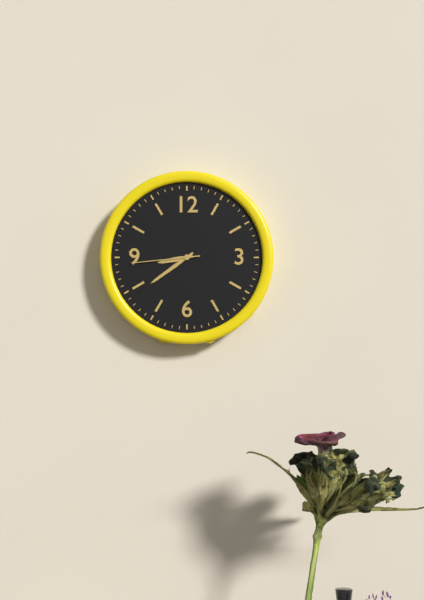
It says 8.39.44
